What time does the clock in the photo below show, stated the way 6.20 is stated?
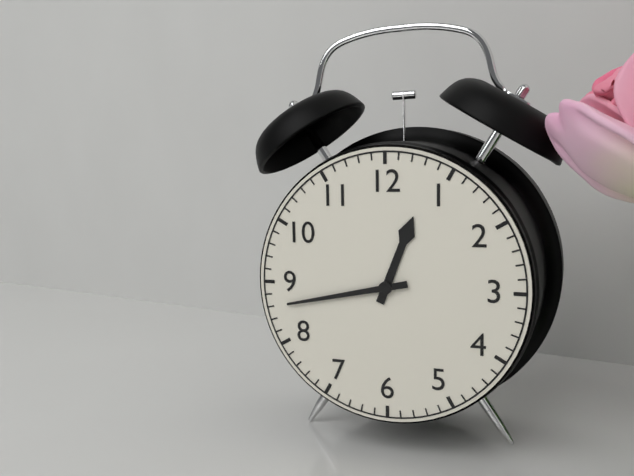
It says 12.43
